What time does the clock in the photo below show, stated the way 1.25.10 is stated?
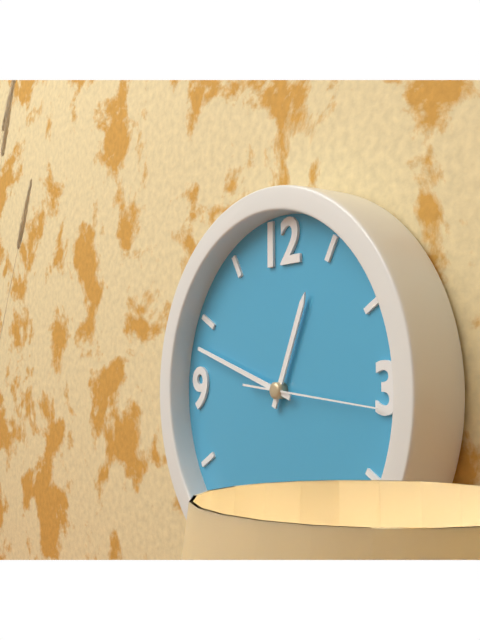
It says 12.48.16
